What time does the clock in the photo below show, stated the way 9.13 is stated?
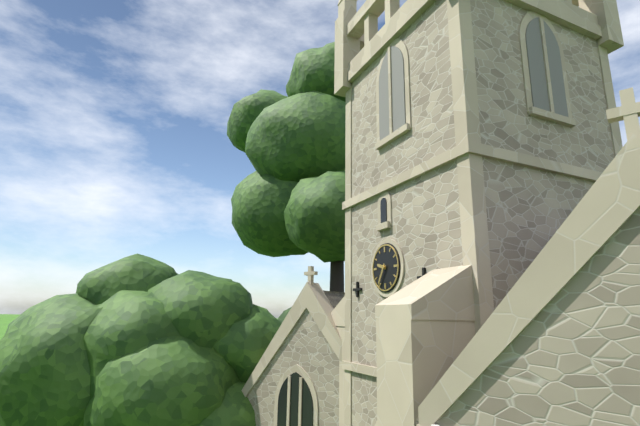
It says 9.35
